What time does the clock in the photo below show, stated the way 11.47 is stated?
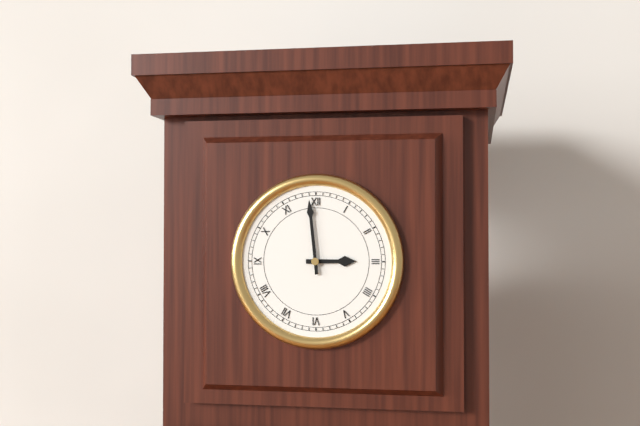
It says 2.59
